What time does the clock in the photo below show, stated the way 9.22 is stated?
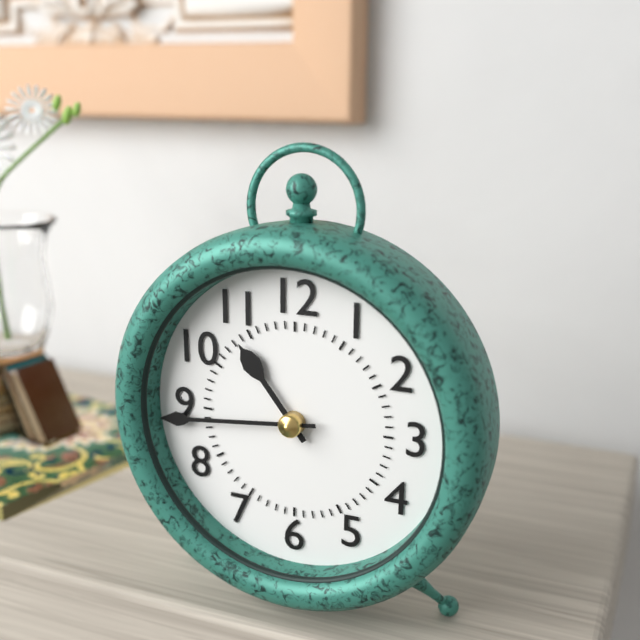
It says 10.44
